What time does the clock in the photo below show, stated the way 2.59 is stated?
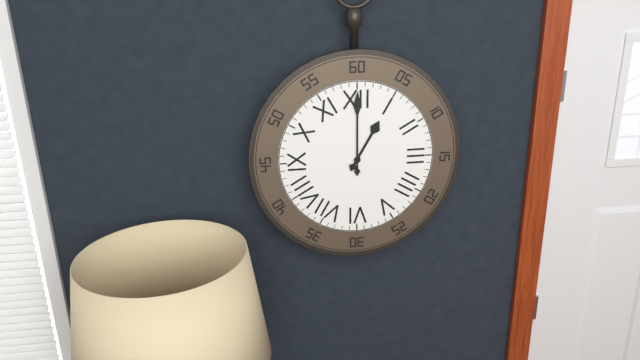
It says 1.00
